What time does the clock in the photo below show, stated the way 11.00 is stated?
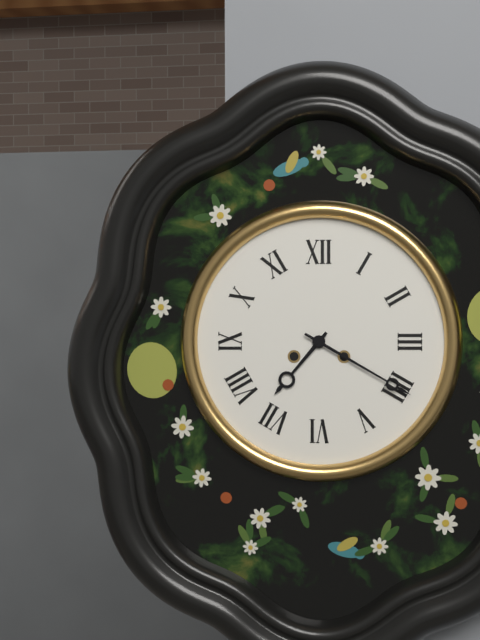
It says 7.20
